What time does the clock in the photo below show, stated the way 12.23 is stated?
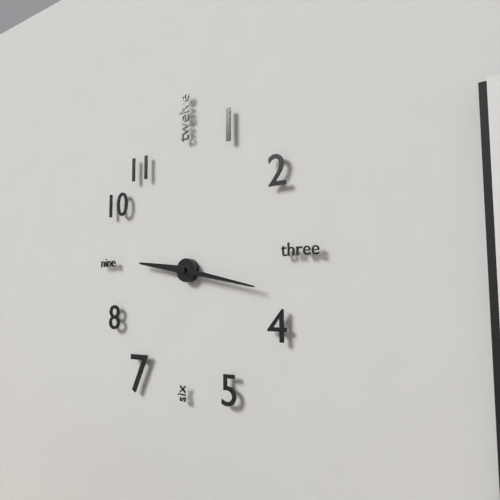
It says 9.17
